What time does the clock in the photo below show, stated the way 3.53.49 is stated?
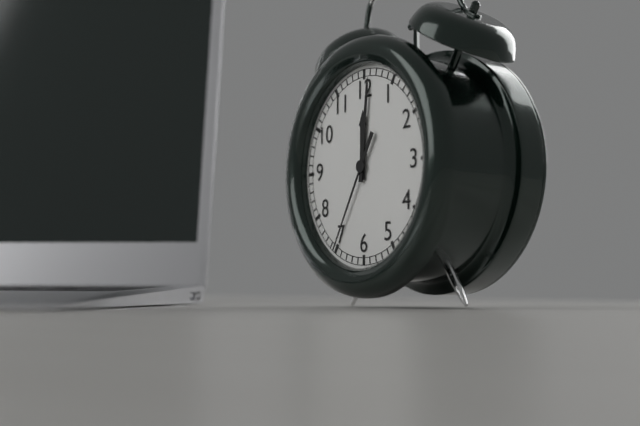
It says 12.01.35
